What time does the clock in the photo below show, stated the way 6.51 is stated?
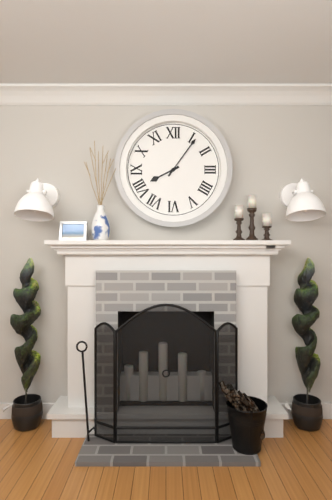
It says 8.06
